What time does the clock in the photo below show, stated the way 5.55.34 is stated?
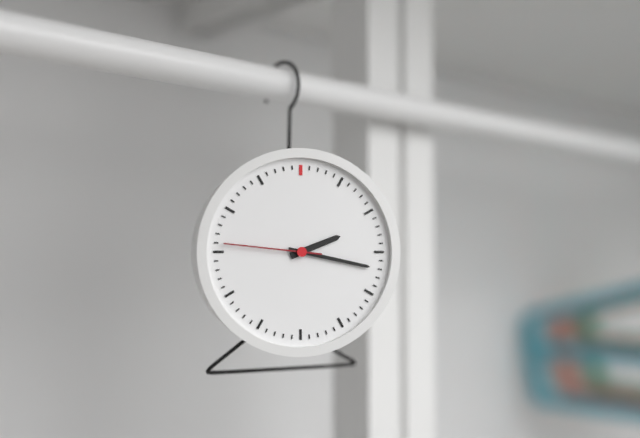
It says 2.17.46
